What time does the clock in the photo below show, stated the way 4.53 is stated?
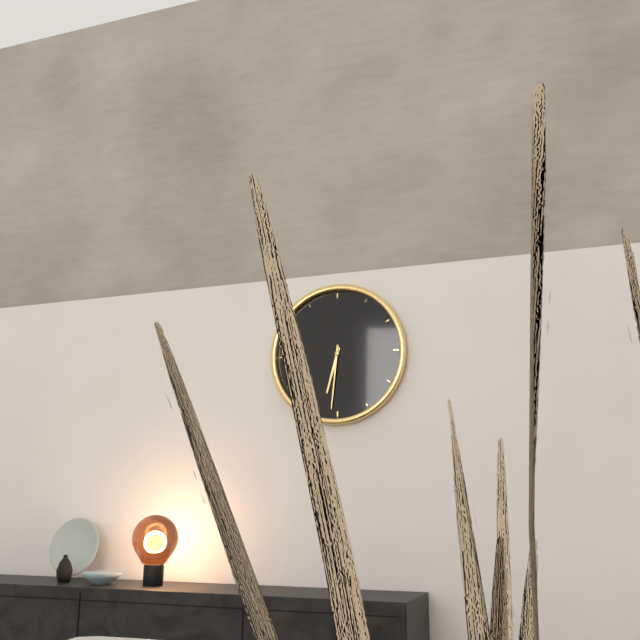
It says 6.31
